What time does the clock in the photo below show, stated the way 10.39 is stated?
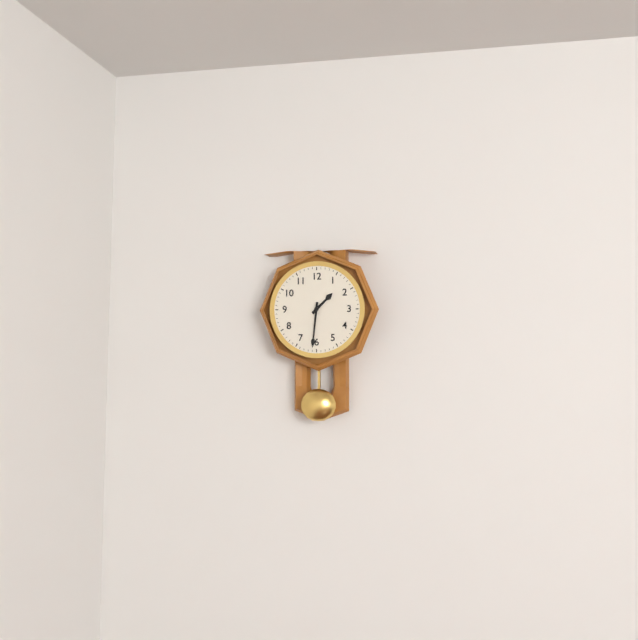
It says 1.31
